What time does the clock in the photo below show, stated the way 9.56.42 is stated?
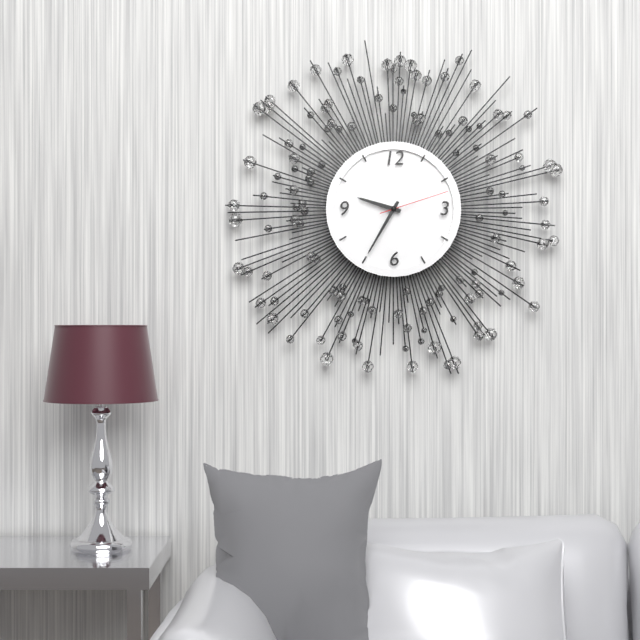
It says 9.35.12
